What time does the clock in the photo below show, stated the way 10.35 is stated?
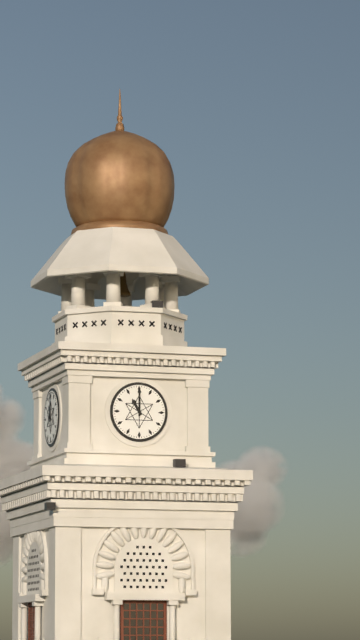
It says 11.00
